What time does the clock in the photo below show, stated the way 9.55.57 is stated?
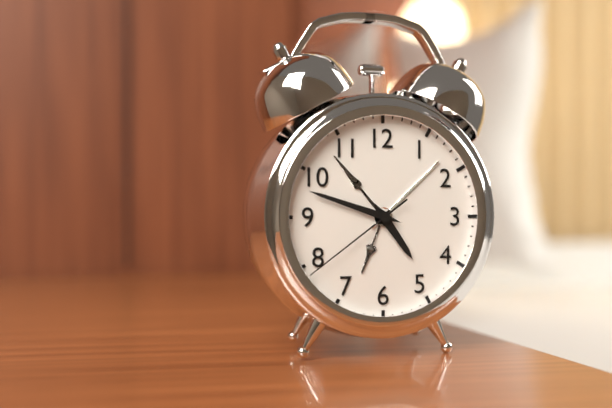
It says 4.48.39
